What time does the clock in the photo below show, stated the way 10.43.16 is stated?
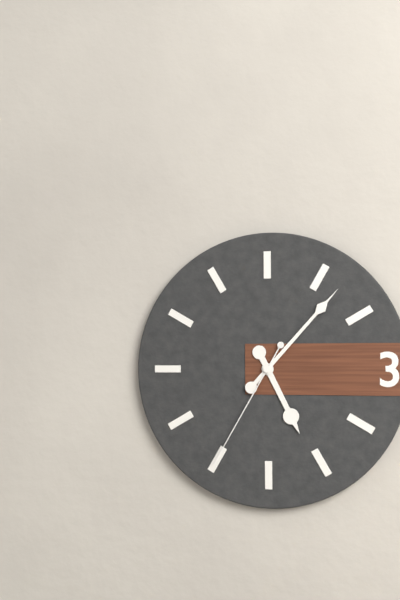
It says 5.07.35
